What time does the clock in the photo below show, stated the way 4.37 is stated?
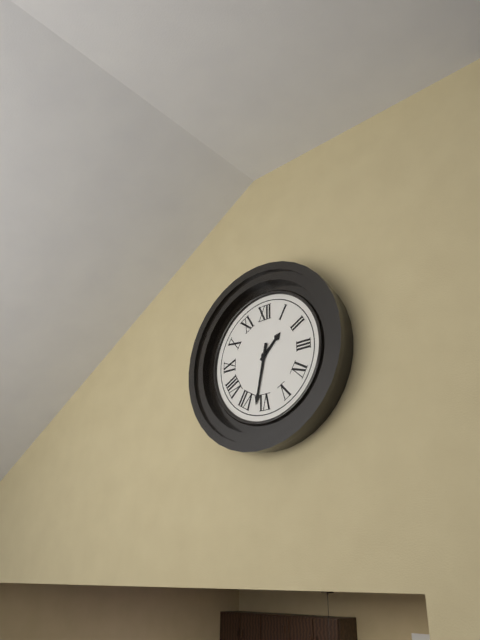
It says 1.32
